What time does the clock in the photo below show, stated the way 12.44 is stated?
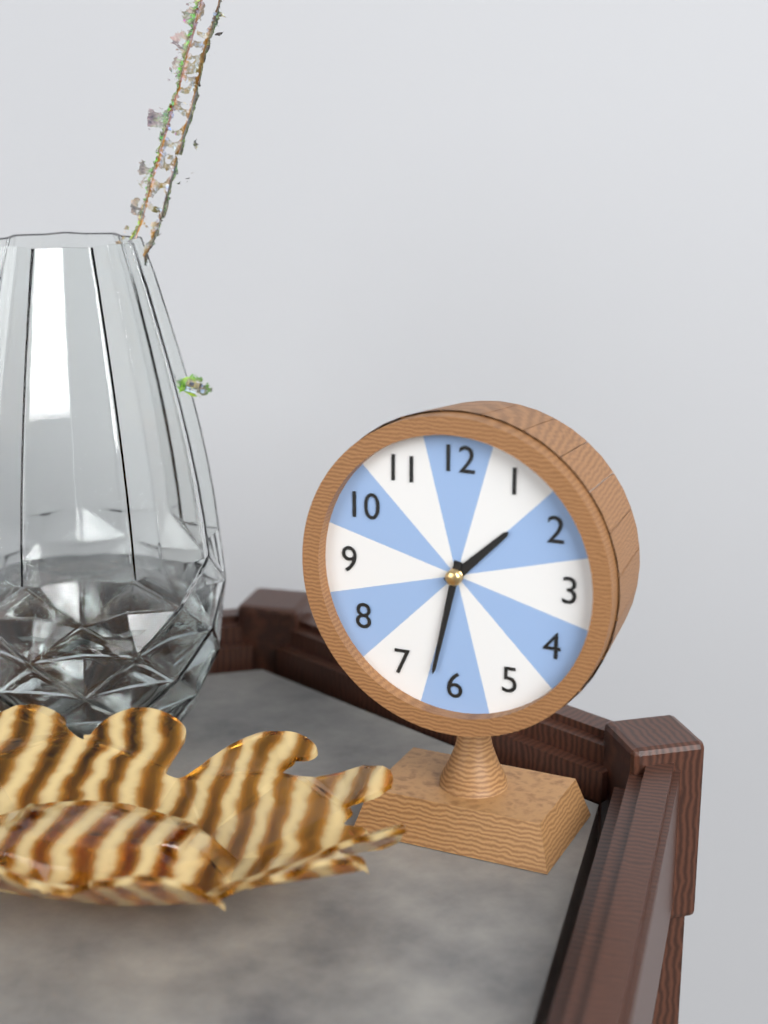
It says 1.32
